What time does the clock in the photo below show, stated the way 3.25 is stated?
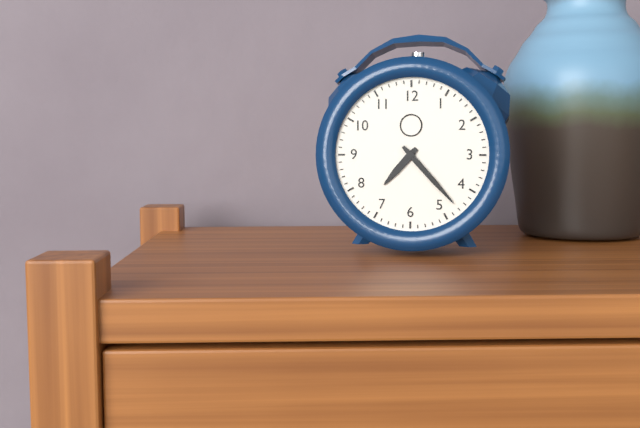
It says 7.23
